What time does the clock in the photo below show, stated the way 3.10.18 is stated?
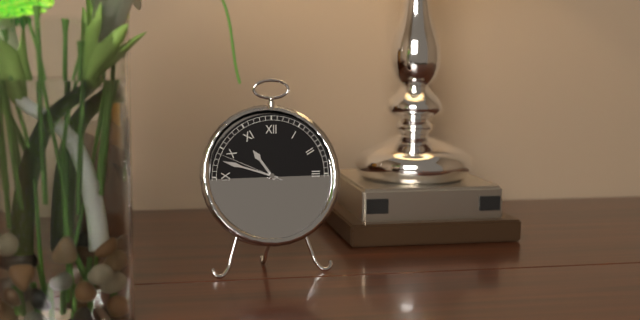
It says 10.48.49
